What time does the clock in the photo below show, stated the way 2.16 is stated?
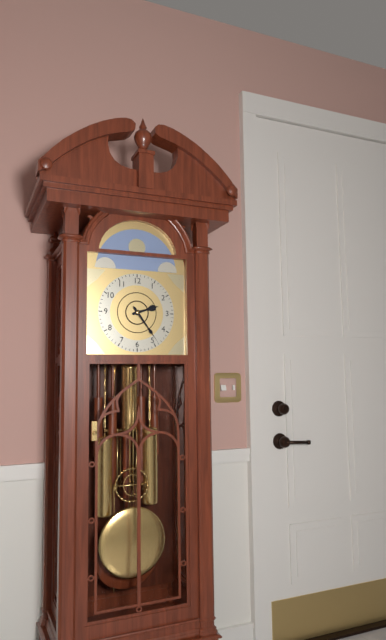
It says 2.24
